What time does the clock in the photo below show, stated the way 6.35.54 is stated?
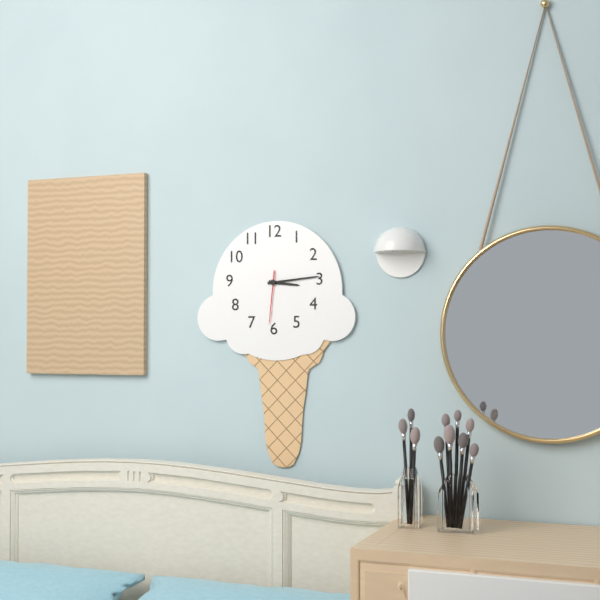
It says 3.14.31
